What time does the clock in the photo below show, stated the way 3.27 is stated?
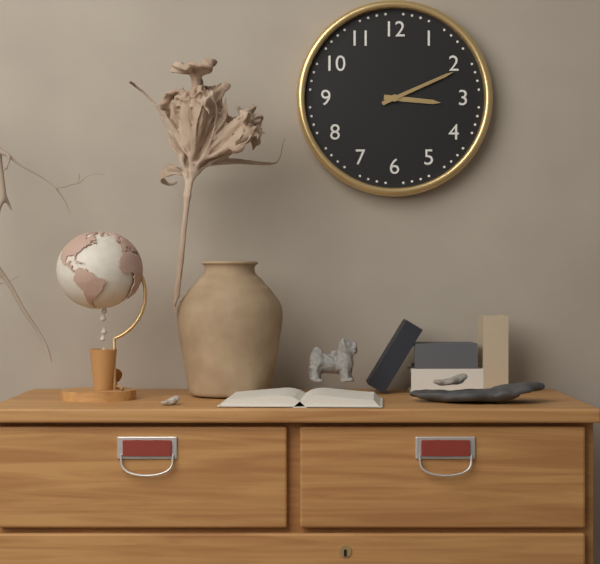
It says 3.11
